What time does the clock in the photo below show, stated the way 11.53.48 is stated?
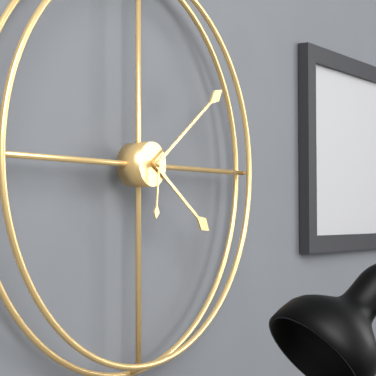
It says 4.09.31
